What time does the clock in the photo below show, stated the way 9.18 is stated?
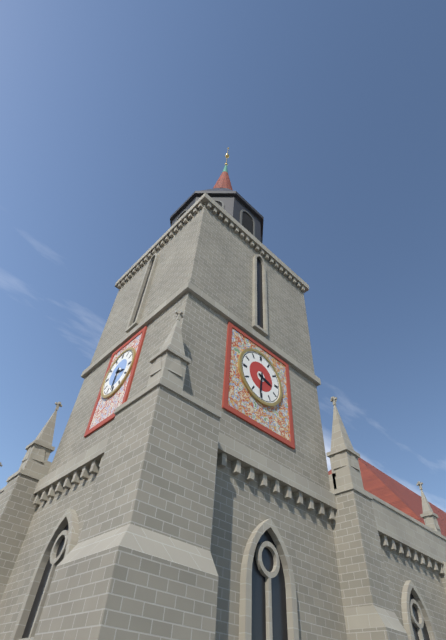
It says 3.31
